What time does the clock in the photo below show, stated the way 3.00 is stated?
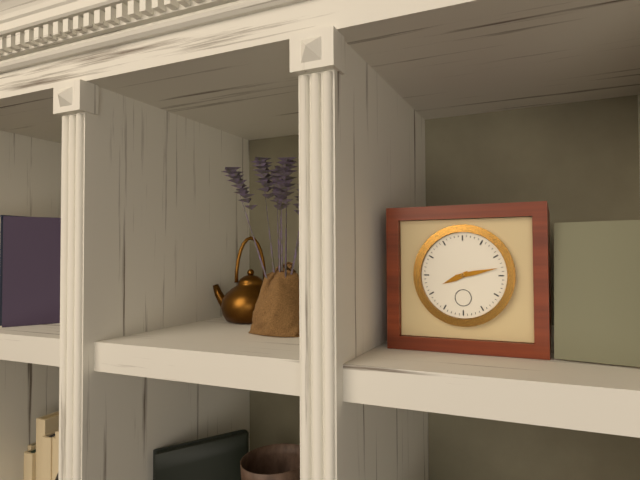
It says 8.13
